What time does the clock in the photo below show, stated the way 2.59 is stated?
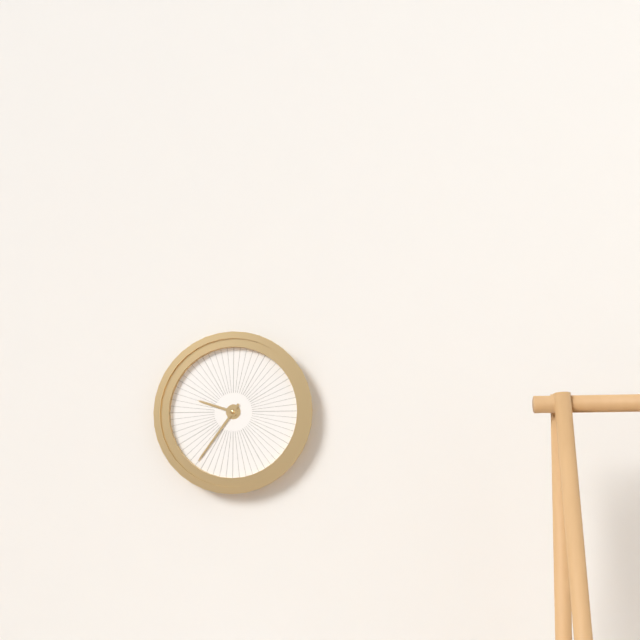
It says 9.36
